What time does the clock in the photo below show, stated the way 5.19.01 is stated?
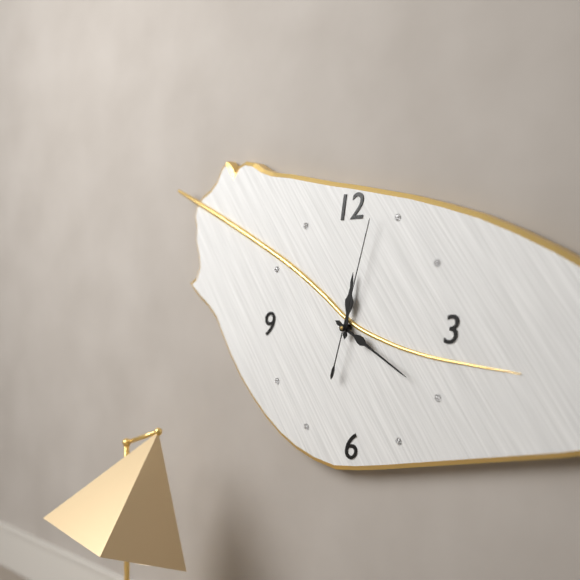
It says 12.20.03
